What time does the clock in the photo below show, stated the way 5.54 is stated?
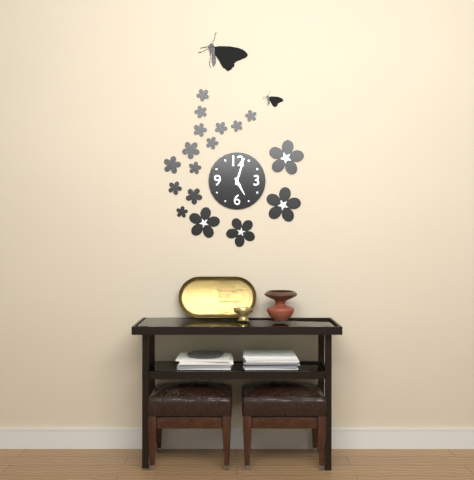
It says 5.03
